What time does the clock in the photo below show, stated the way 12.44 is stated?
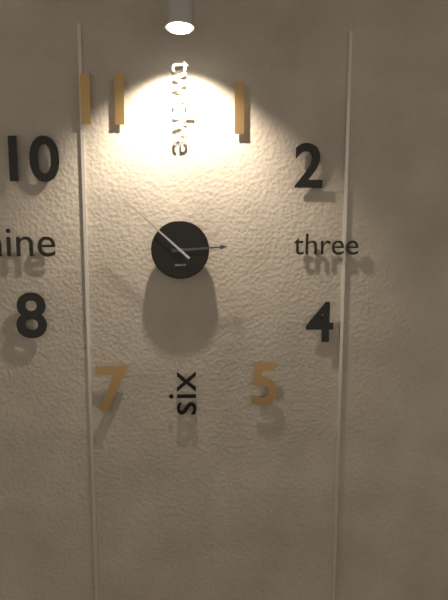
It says 2.52
